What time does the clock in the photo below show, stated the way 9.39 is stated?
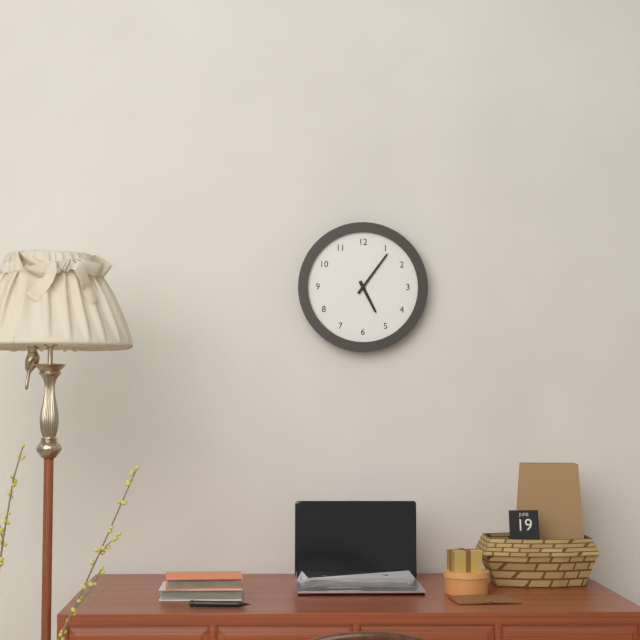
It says 5.06
